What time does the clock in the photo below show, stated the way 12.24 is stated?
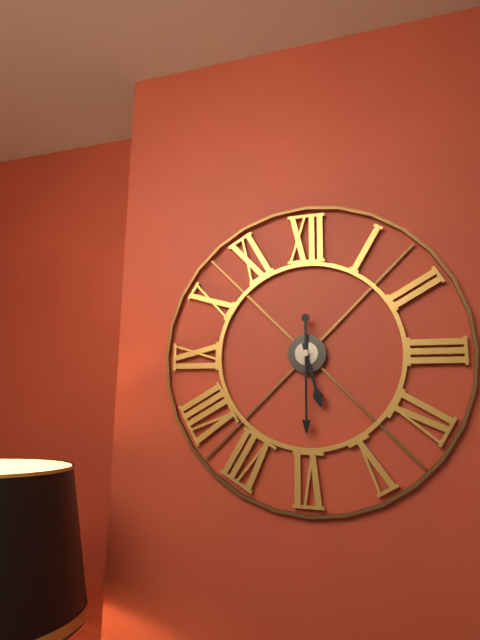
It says 5.30
